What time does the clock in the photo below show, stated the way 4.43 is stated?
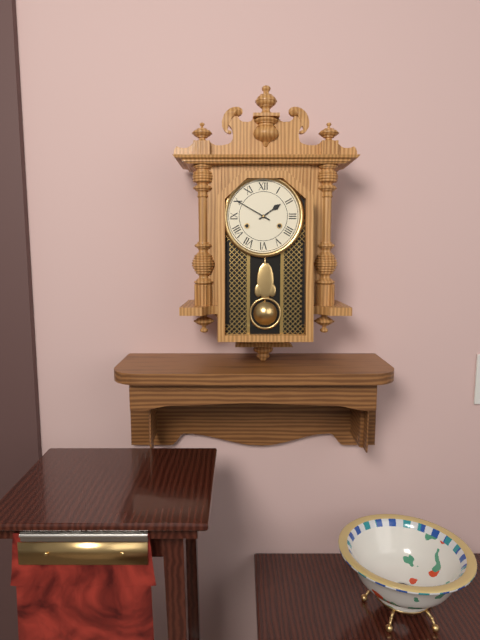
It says 1.50
